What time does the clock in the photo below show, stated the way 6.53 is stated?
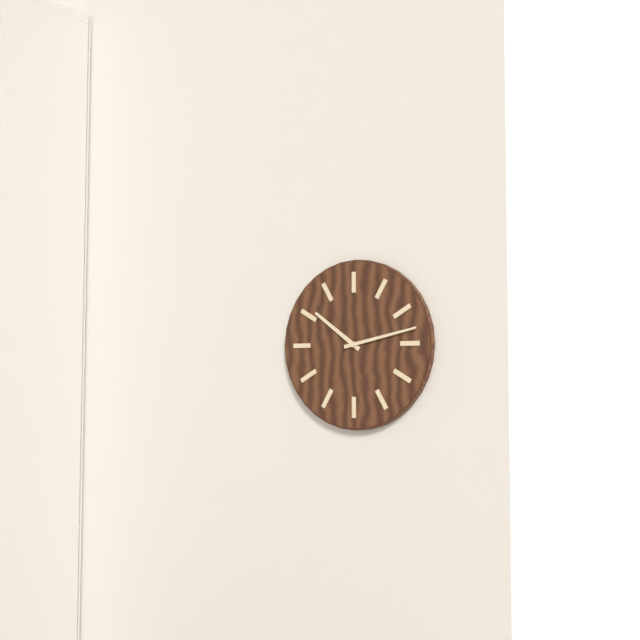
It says 10.13
